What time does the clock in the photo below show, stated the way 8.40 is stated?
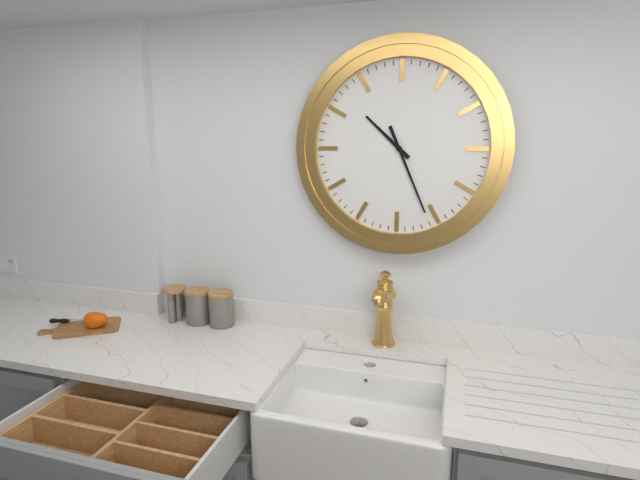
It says 10.26
